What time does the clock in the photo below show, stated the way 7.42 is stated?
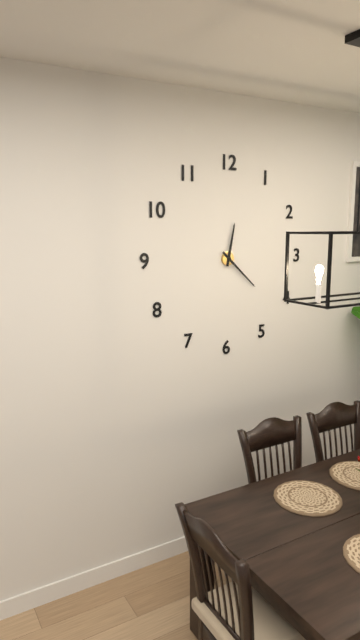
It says 12.22
